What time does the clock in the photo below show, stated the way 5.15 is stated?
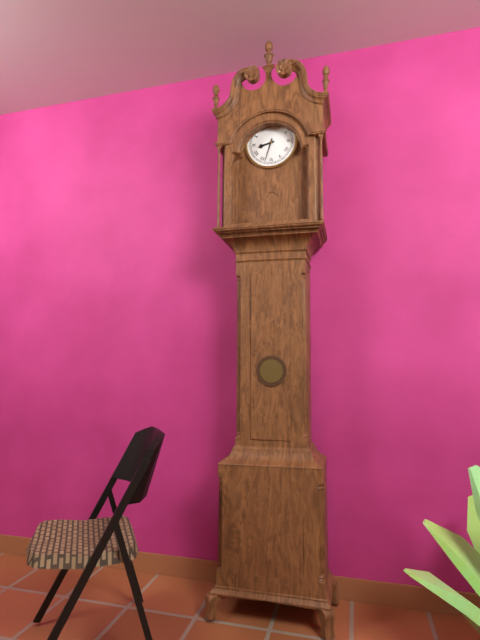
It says 8.33
